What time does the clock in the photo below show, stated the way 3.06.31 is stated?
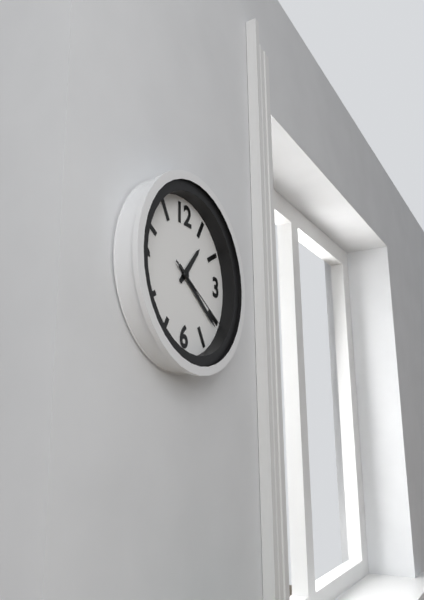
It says 1.21.20
